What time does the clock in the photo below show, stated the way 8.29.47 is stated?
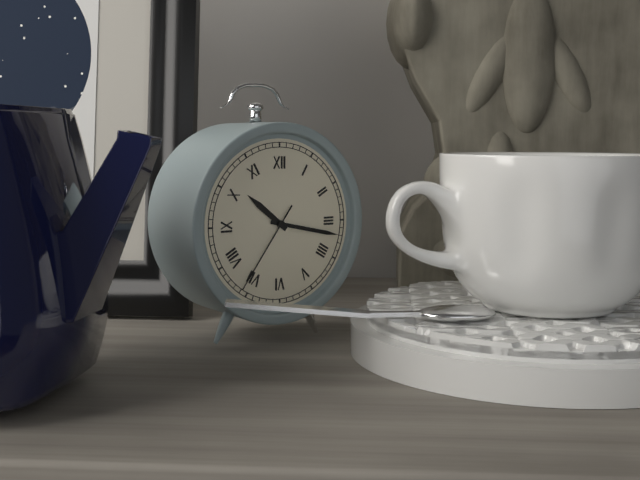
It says 10.17.36
